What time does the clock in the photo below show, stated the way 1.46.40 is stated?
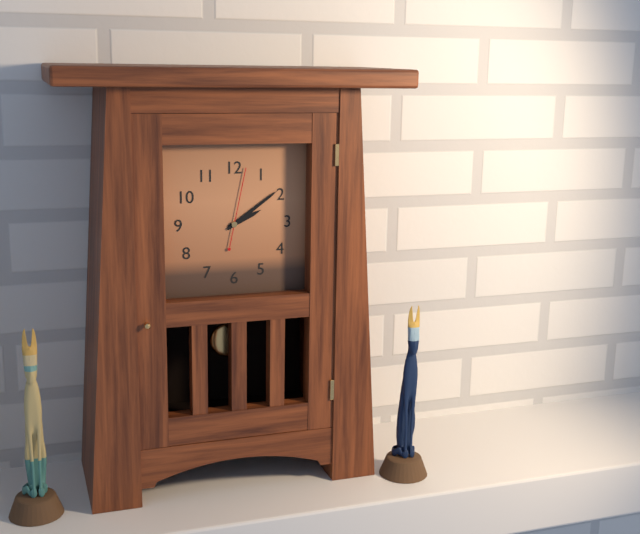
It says 2.09.02
